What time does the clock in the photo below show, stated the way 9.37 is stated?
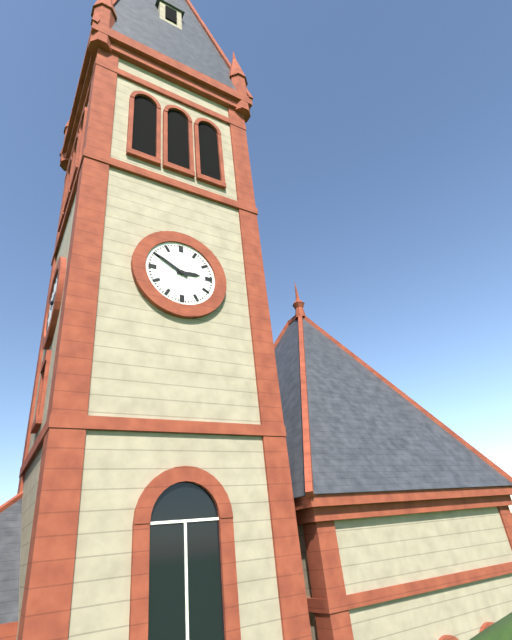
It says 2.50
